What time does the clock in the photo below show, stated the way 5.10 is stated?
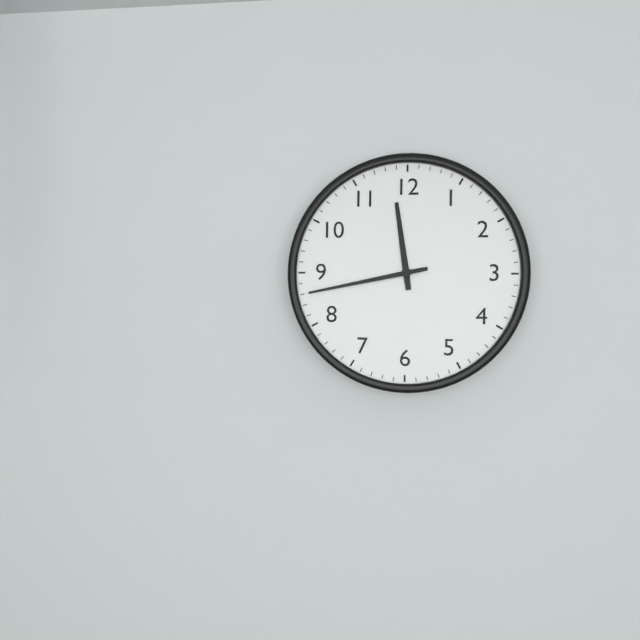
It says 11.43
